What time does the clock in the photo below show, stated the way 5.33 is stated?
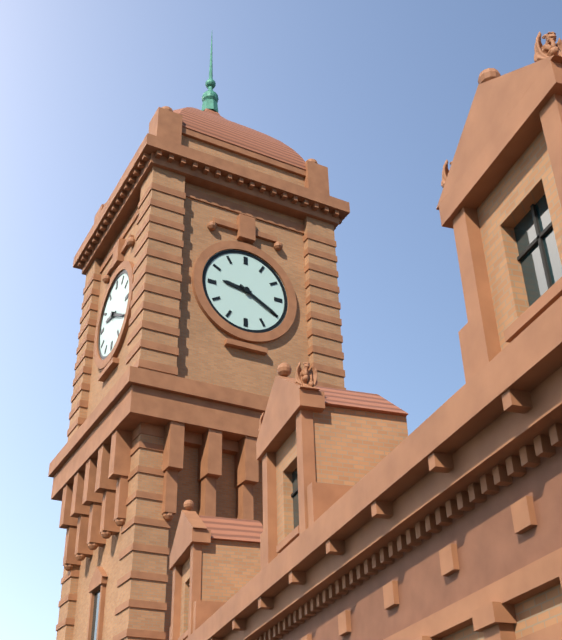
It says 9.20
